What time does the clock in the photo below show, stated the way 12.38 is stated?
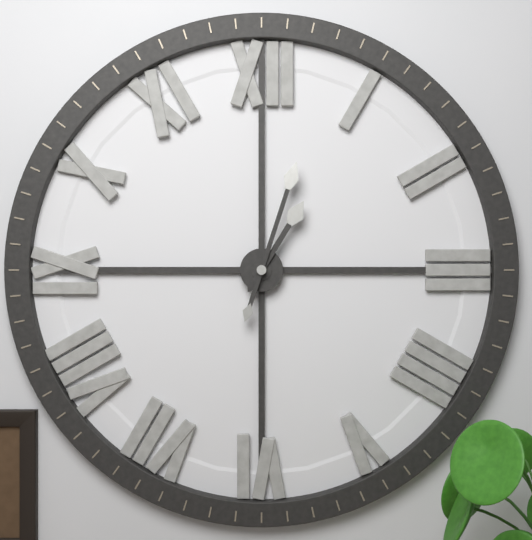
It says 1.03
